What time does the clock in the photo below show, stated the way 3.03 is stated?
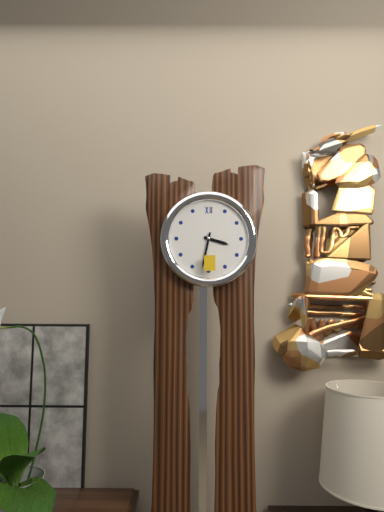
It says 3.32
